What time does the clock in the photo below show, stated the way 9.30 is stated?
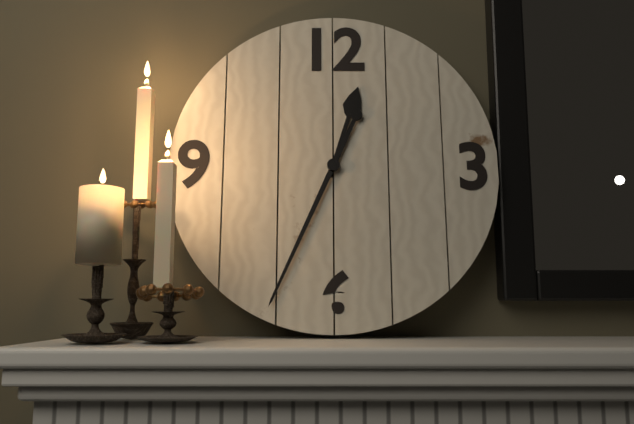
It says 12.34
